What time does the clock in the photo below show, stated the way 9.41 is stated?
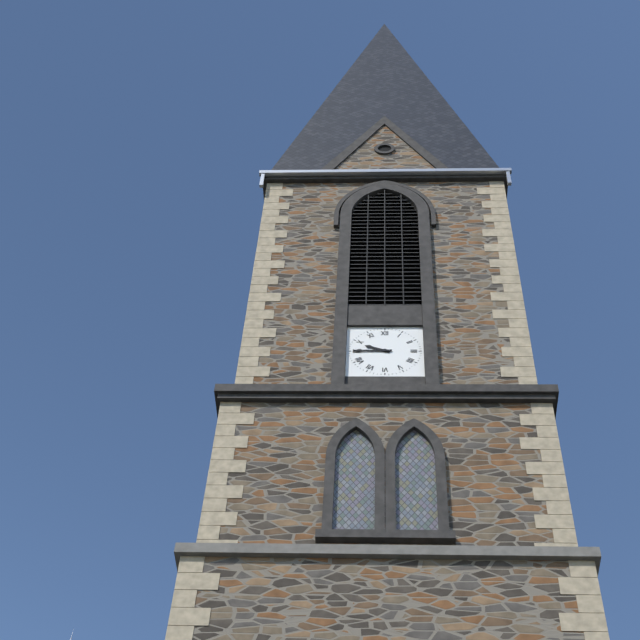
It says 9.45
